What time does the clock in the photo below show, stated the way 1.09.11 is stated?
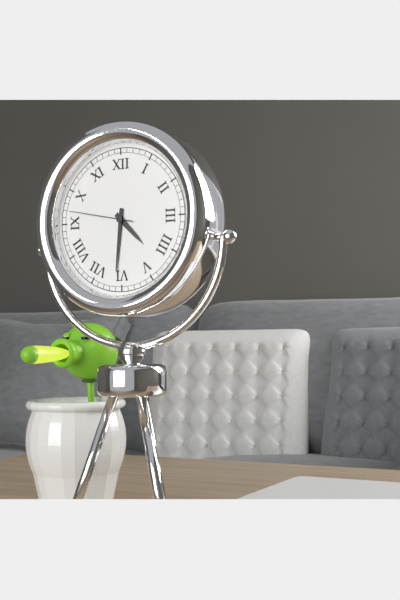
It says 4.31.47
